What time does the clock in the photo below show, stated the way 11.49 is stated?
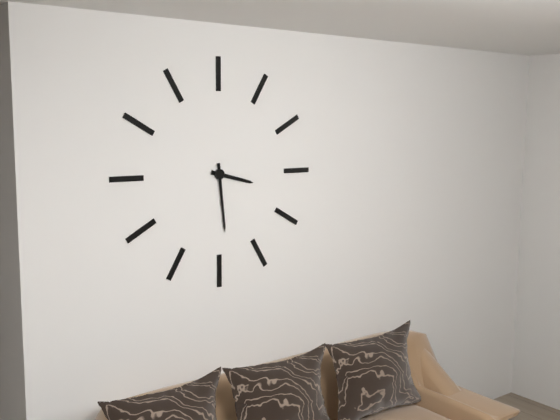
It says 3.29
